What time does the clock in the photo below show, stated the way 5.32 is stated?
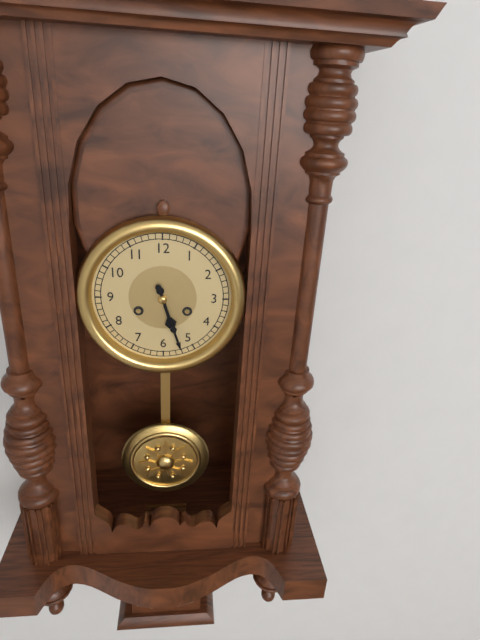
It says 5.27
